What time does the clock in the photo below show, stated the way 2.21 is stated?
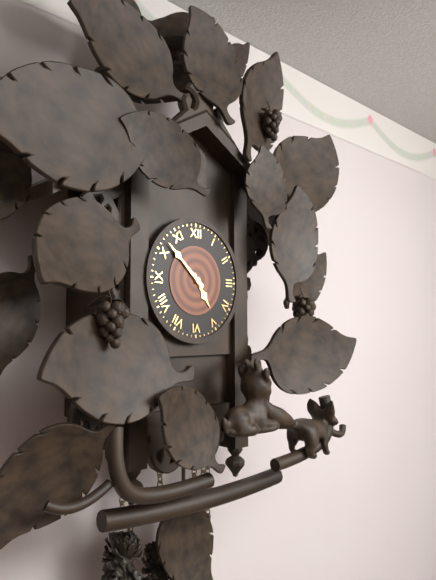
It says 4.52
